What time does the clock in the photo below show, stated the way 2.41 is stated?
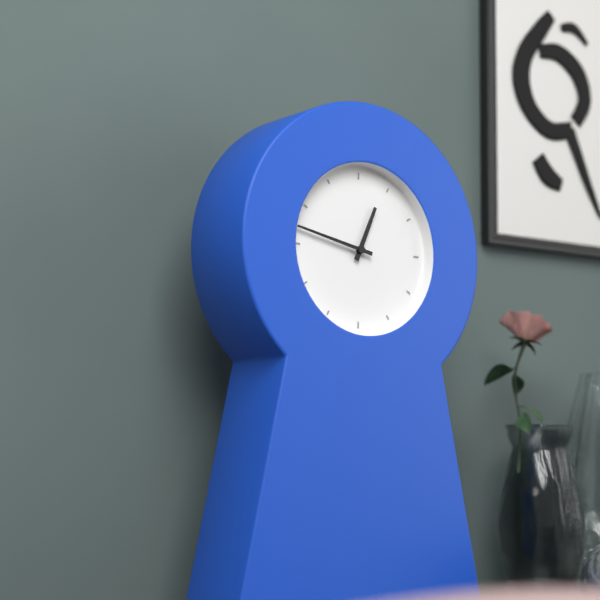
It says 12.47
